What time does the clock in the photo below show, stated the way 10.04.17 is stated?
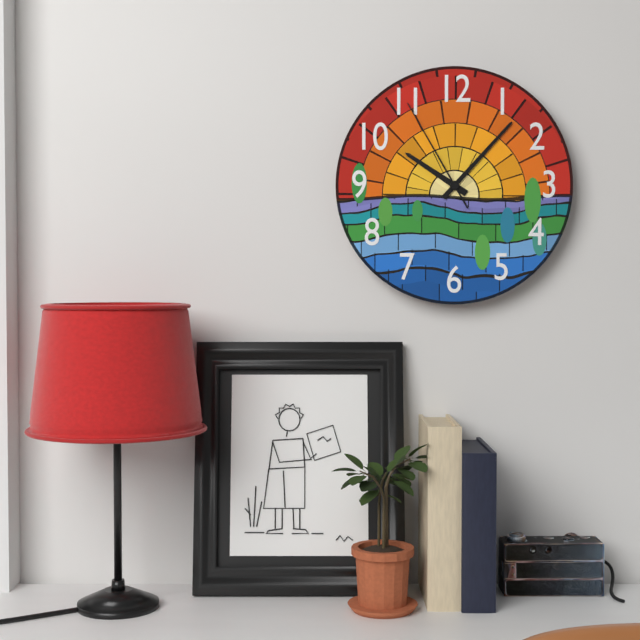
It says 10.07.55
